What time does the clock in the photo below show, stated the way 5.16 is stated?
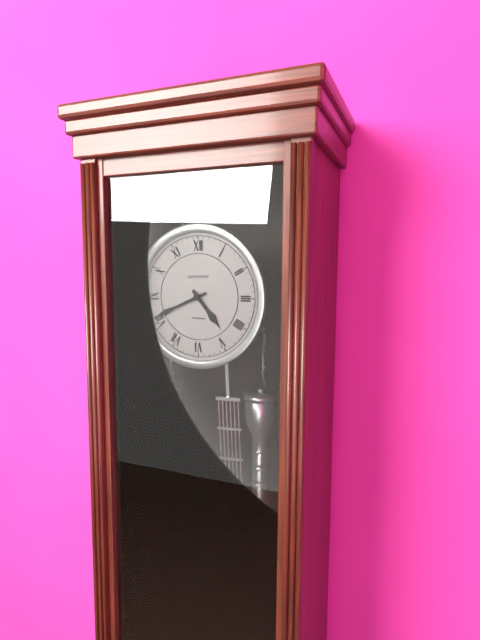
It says 4.41
